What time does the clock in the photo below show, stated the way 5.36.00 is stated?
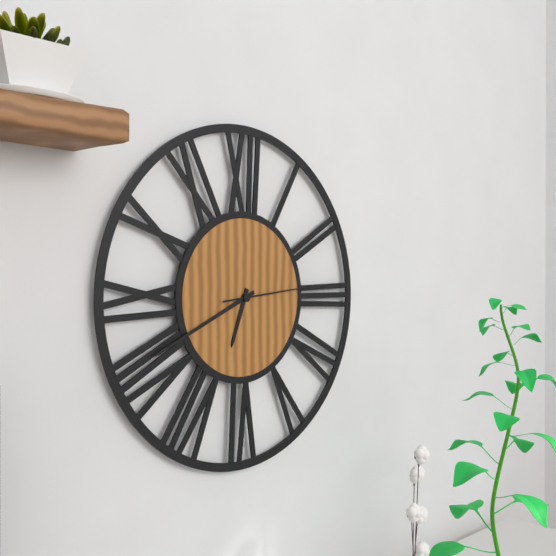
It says 6.41.14
